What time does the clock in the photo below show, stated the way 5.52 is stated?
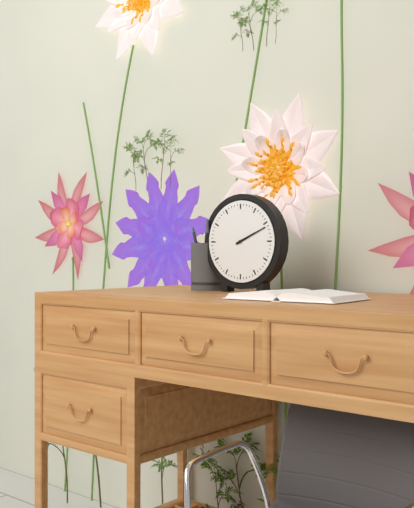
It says 2.11
